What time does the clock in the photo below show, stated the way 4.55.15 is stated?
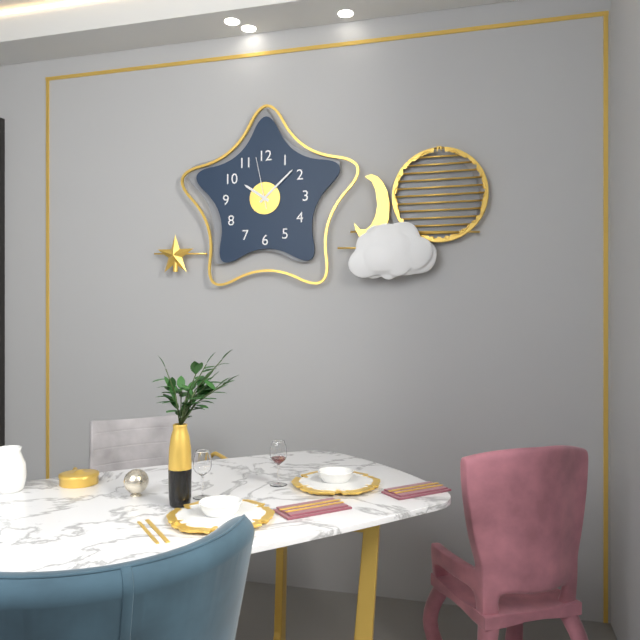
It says 10.08.58
